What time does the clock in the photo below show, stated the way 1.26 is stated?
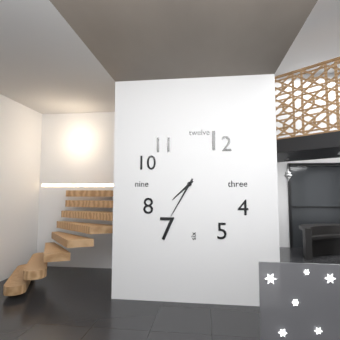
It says 7.35
